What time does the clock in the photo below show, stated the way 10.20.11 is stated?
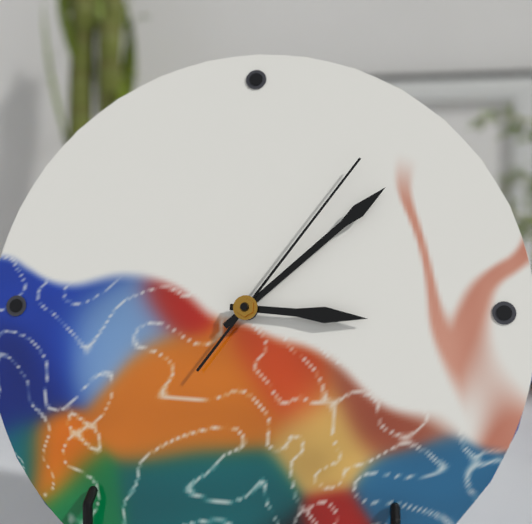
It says 3.08.06
